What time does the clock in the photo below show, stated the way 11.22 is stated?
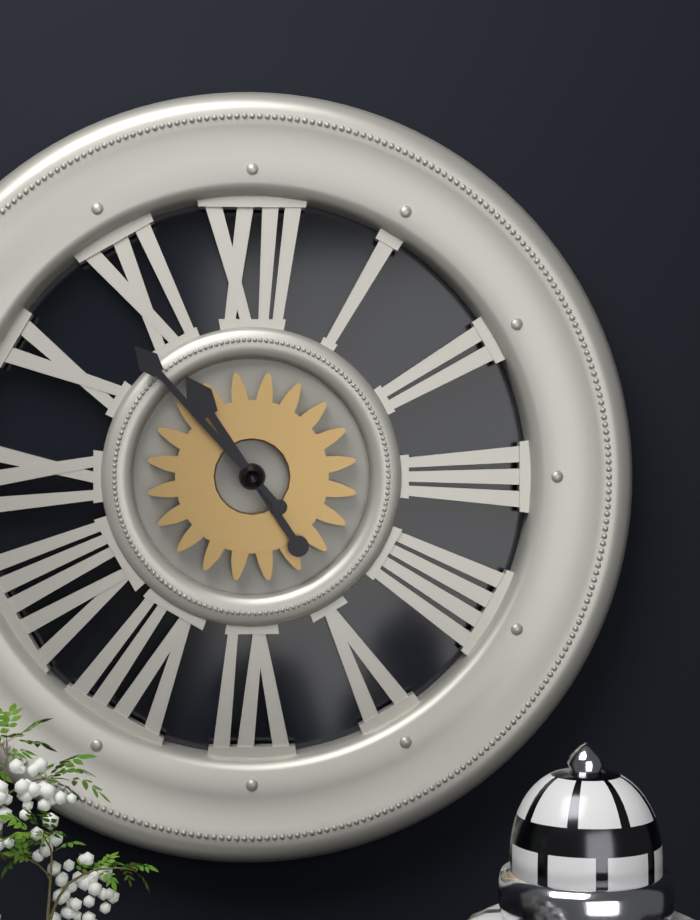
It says 10.53
